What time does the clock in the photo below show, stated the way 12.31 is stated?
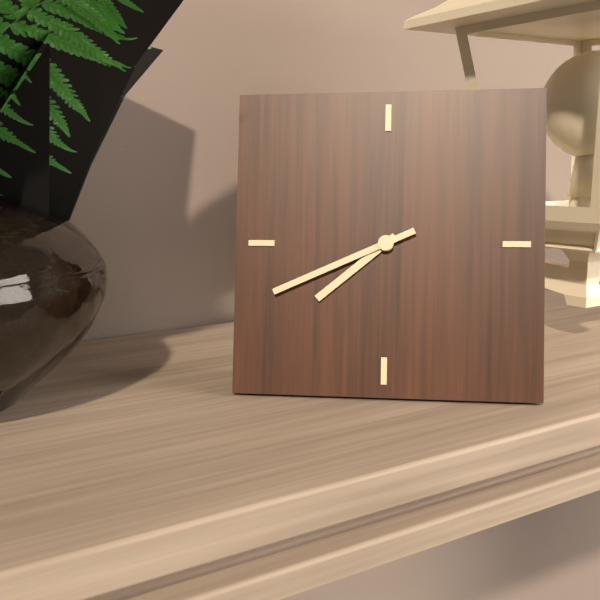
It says 7.41
